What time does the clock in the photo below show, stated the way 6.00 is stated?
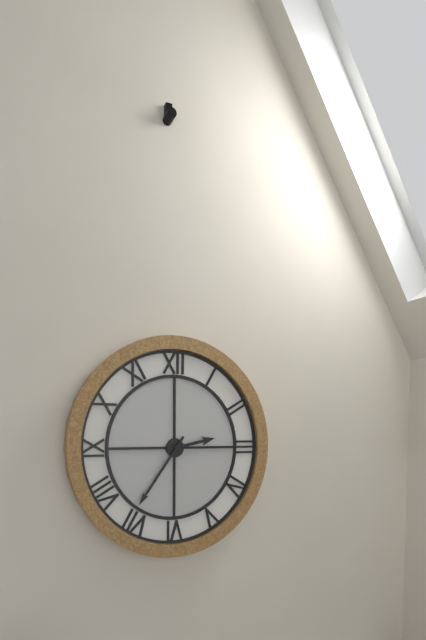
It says 2.36
